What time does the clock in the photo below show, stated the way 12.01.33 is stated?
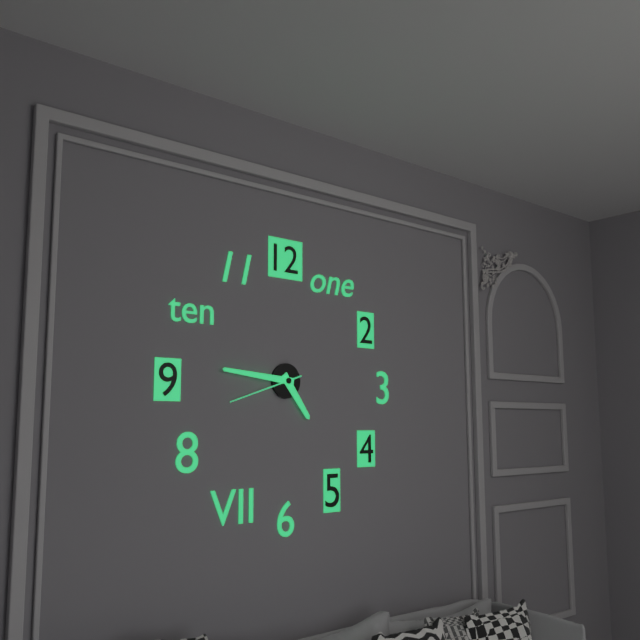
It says 4.46.42
